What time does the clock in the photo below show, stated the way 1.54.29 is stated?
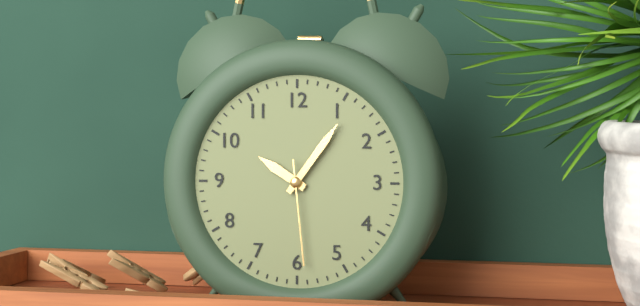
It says 10.06.29
